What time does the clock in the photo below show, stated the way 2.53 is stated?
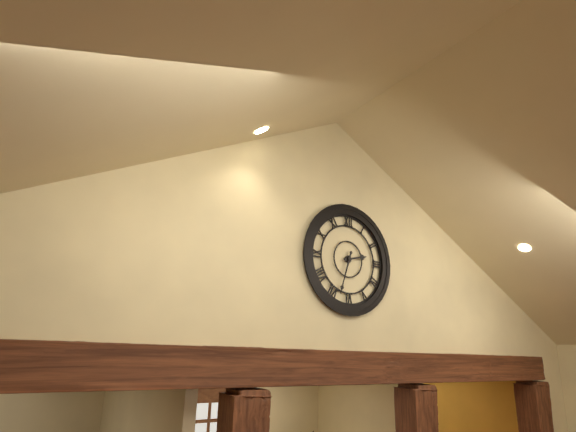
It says 2.33
